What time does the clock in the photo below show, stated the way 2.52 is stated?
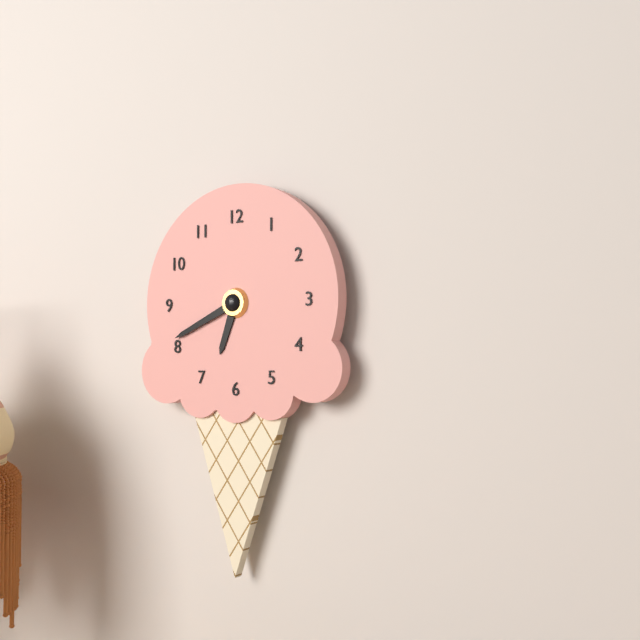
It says 6.41
